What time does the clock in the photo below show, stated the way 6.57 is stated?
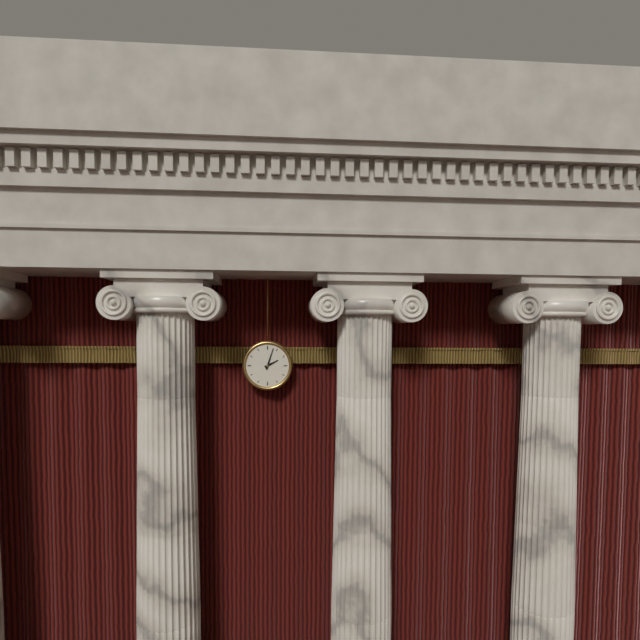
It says 2.03
